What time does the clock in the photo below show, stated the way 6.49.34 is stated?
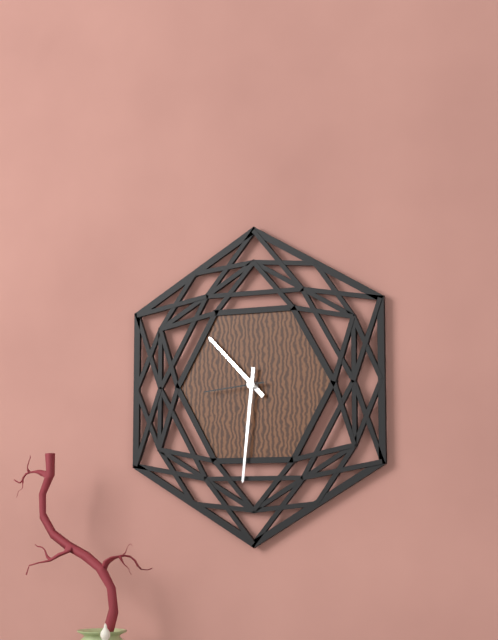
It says 10.31.44
